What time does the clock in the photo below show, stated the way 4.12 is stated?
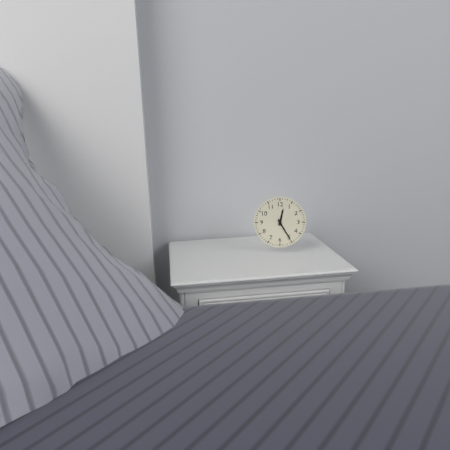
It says 12.25
